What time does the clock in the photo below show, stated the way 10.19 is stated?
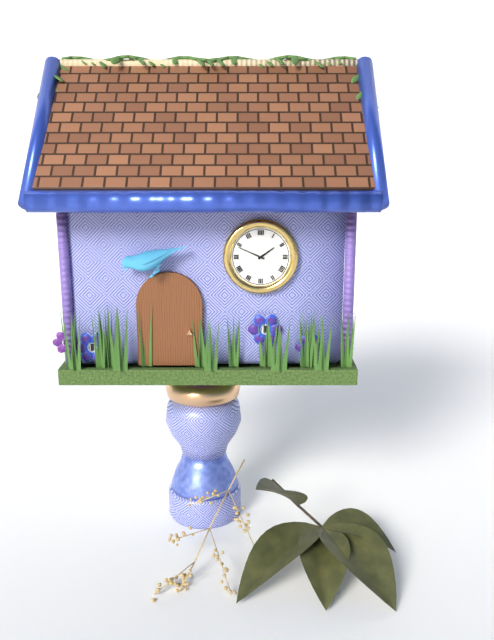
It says 1.49
